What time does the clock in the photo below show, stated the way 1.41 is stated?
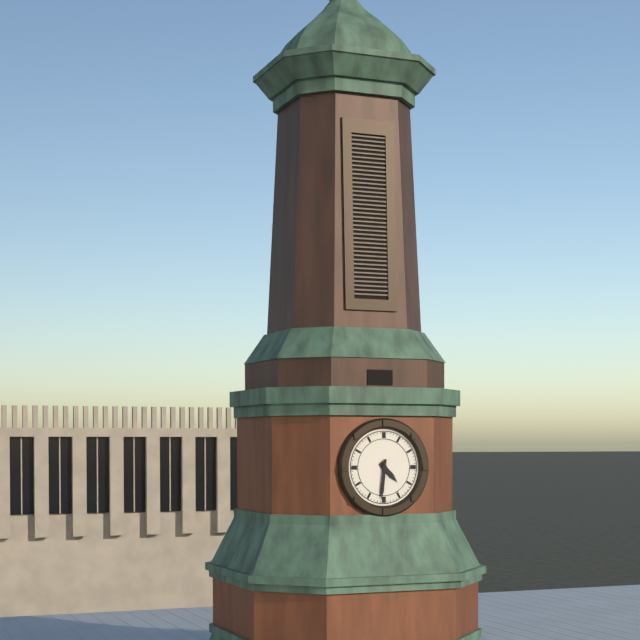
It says 4.31
